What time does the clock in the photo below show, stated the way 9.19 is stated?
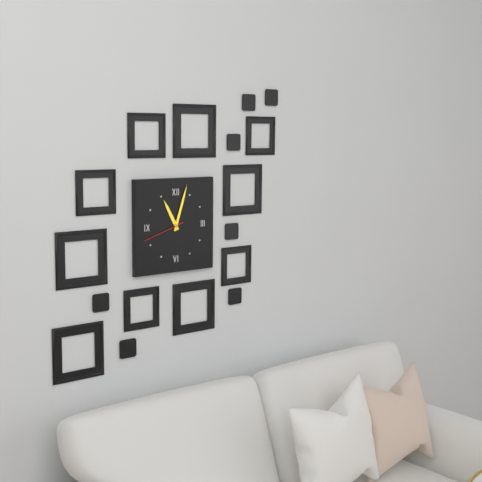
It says 11.03
